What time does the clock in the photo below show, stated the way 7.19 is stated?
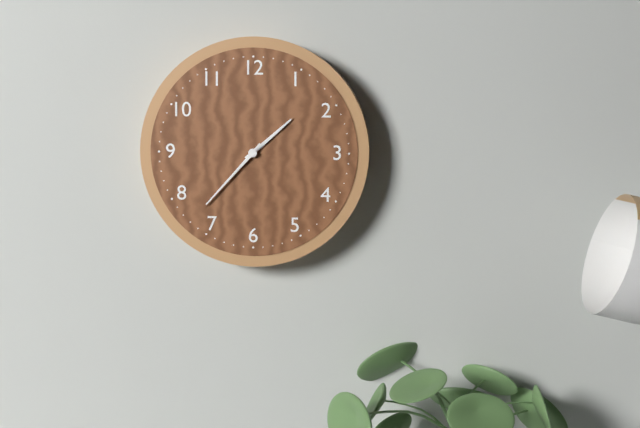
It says 1.37
